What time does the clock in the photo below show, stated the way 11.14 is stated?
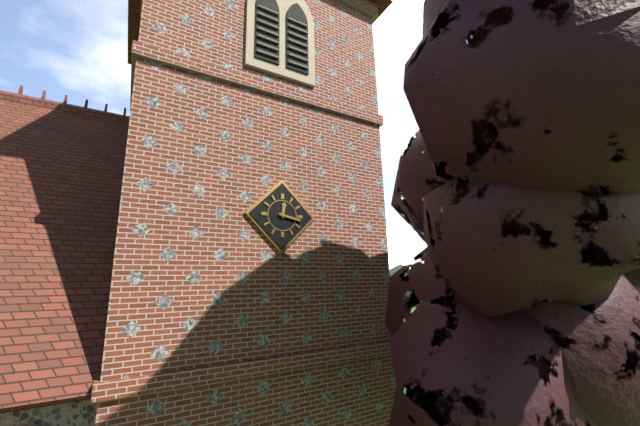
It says 12.17
